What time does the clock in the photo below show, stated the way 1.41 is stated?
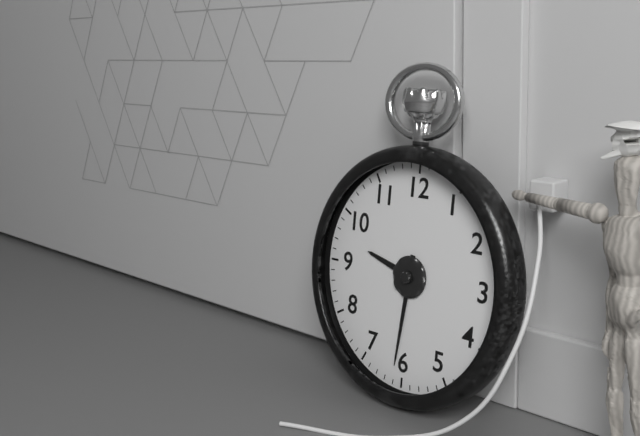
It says 9.31
